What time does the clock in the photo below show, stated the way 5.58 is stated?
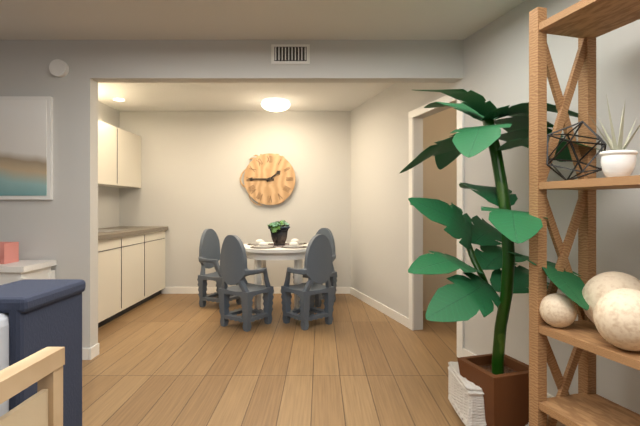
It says 1.45
